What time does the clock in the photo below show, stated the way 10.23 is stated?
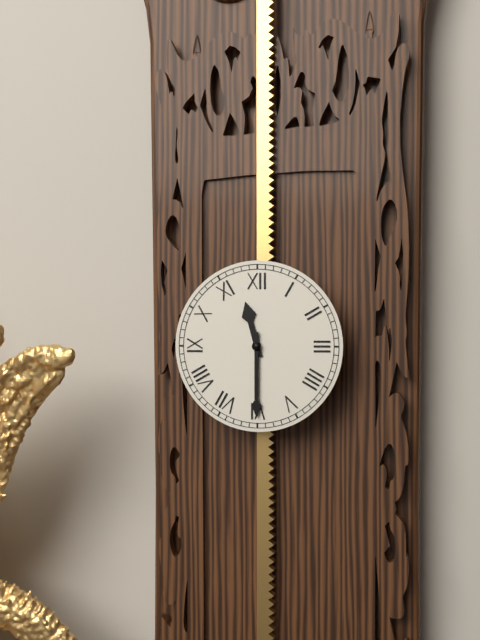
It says 11.30
